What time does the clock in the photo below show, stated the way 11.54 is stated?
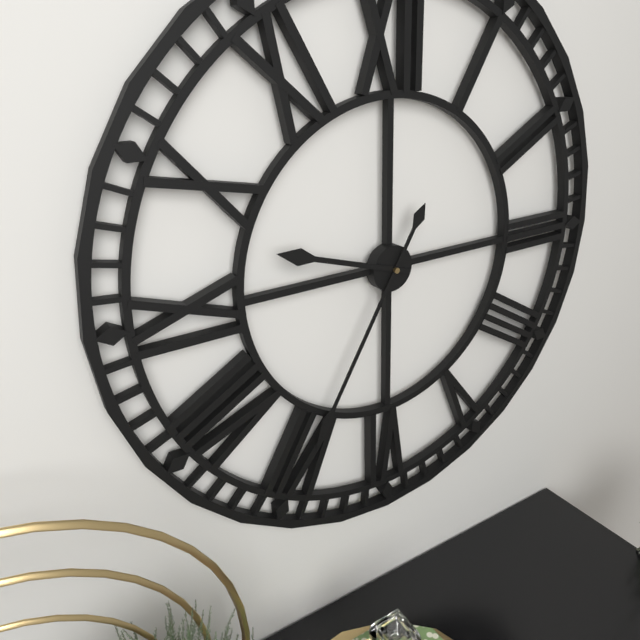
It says 9.35
